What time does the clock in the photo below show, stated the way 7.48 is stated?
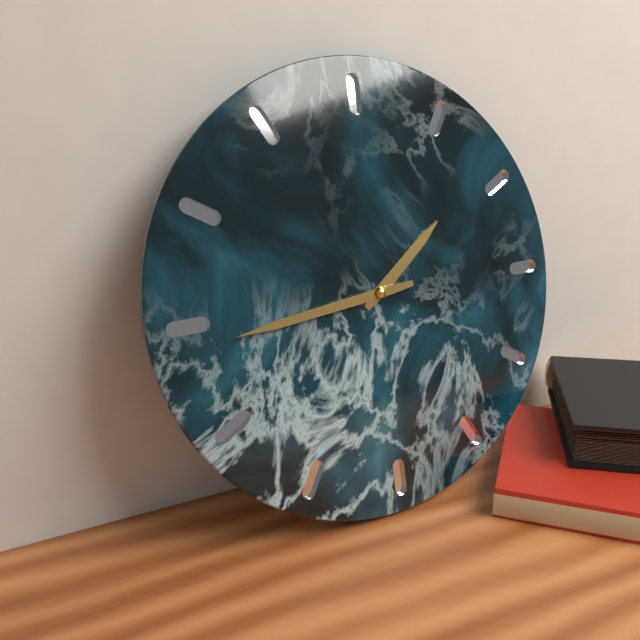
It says 1.44
